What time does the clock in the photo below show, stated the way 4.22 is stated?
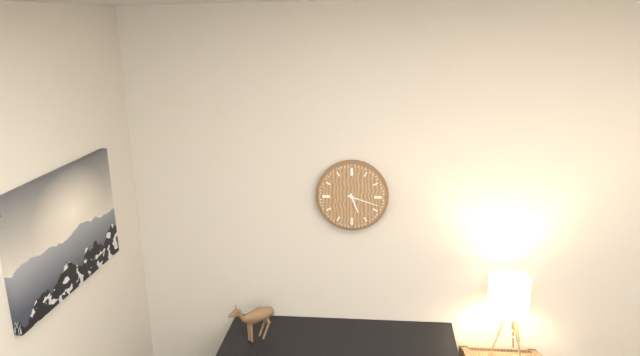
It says 5.18
